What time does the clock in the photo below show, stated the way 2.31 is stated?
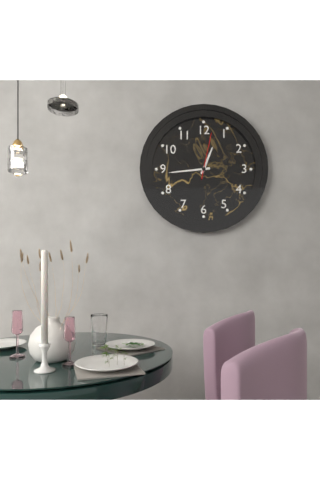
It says 12.44
